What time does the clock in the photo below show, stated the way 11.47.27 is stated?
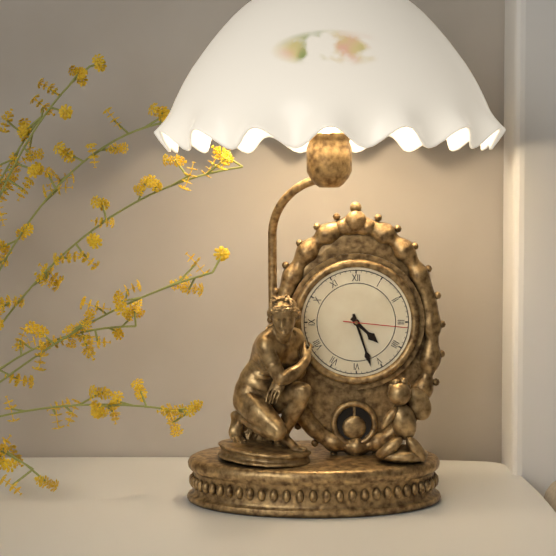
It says 4.27.16
